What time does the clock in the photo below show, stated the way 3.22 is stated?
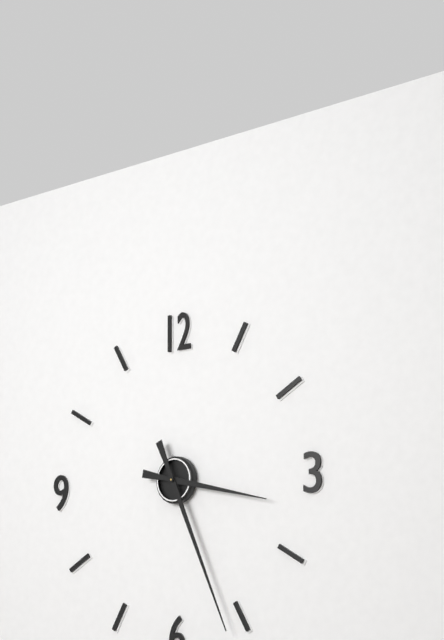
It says 3.26
